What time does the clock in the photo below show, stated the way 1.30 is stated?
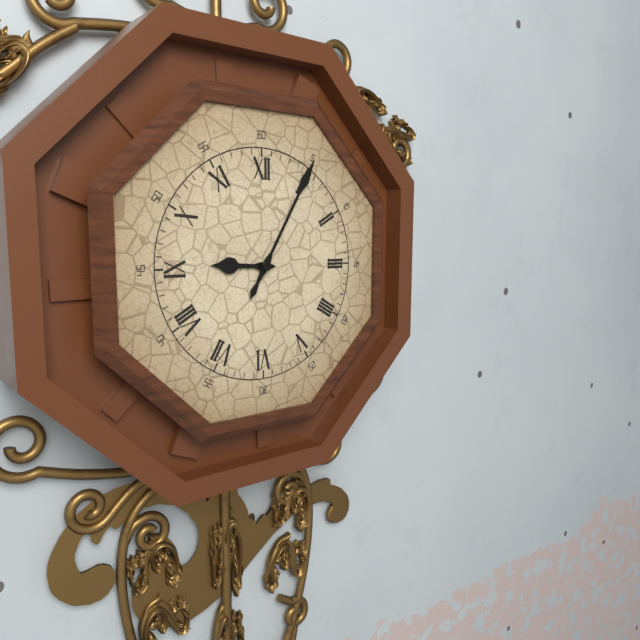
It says 9.05
